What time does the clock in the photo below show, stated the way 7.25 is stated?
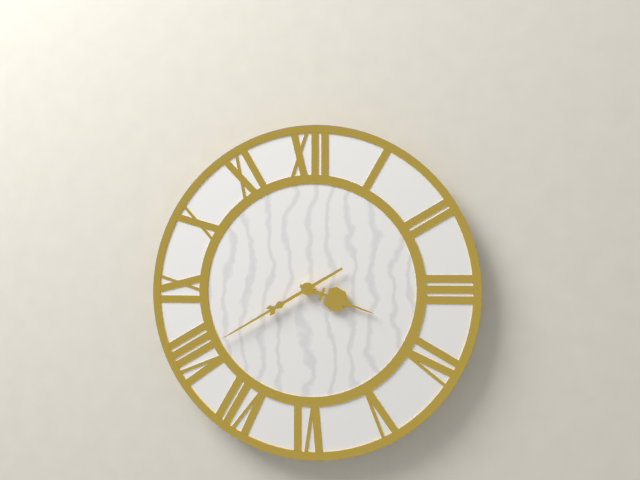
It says 3.40
